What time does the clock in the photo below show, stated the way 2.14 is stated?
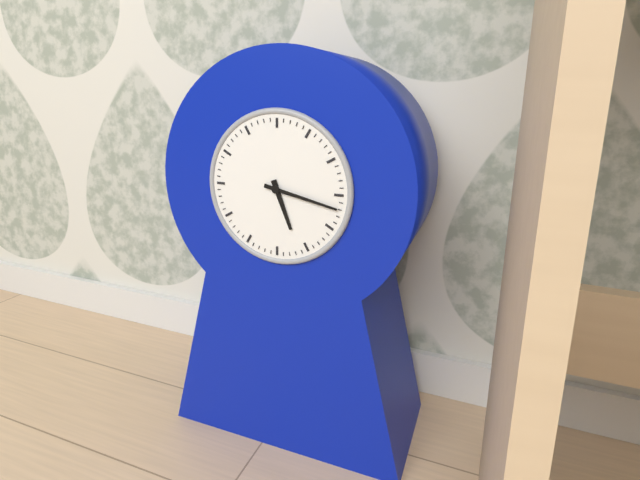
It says 5.17
